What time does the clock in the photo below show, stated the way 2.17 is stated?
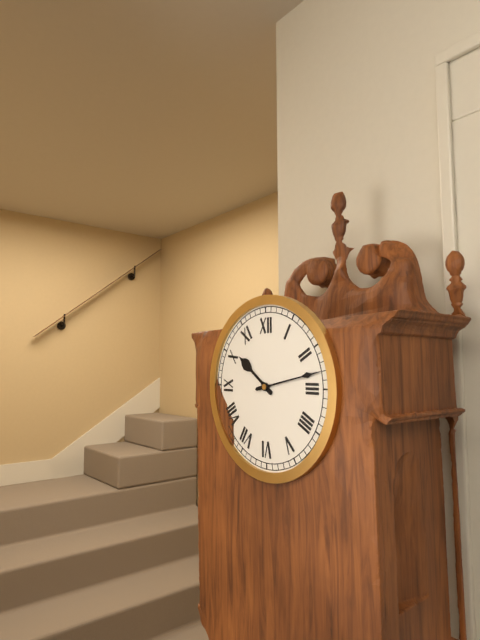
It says 10.13
